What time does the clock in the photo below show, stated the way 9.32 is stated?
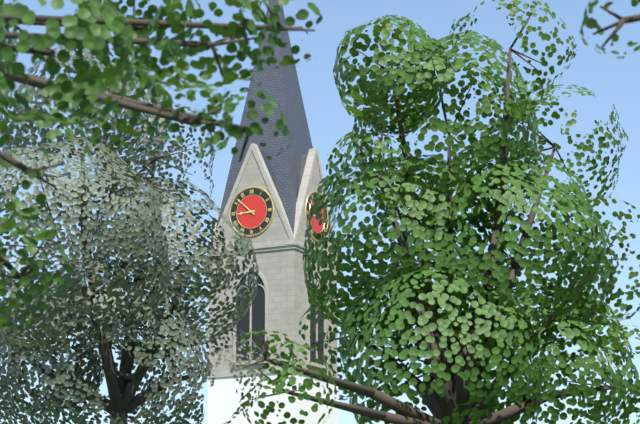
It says 8.52
